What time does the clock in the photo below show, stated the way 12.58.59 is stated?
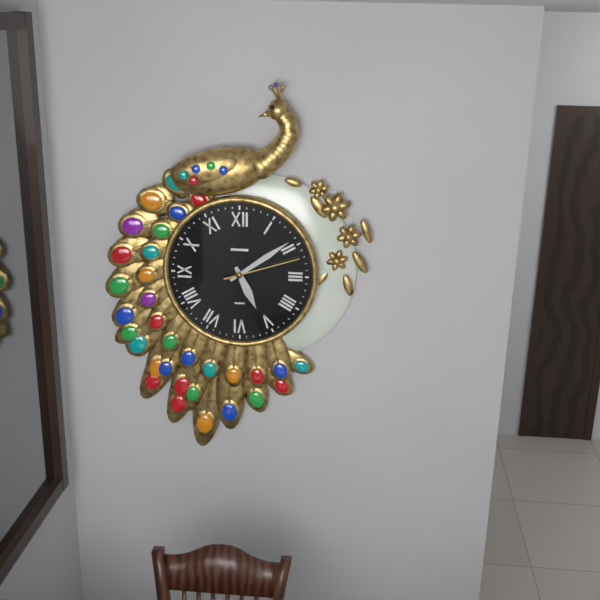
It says 5.09.12
